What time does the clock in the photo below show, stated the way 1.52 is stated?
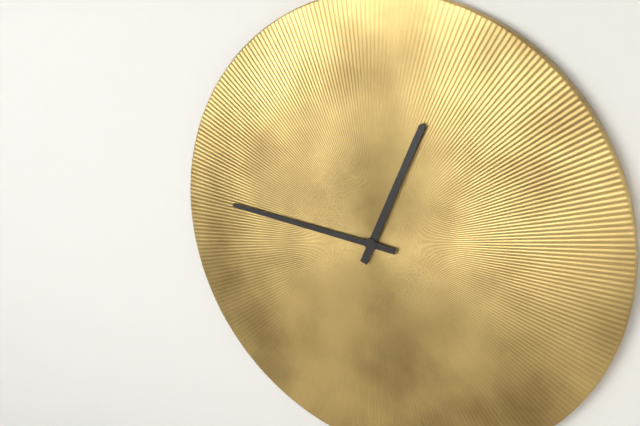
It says 12.46
